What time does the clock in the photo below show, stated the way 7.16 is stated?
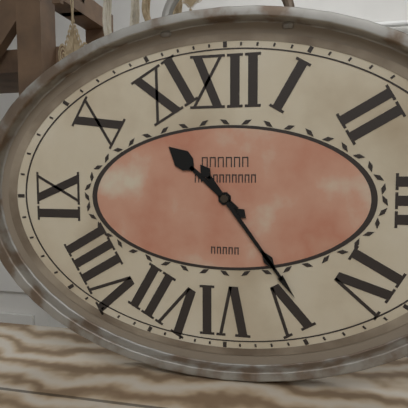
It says 10.24
